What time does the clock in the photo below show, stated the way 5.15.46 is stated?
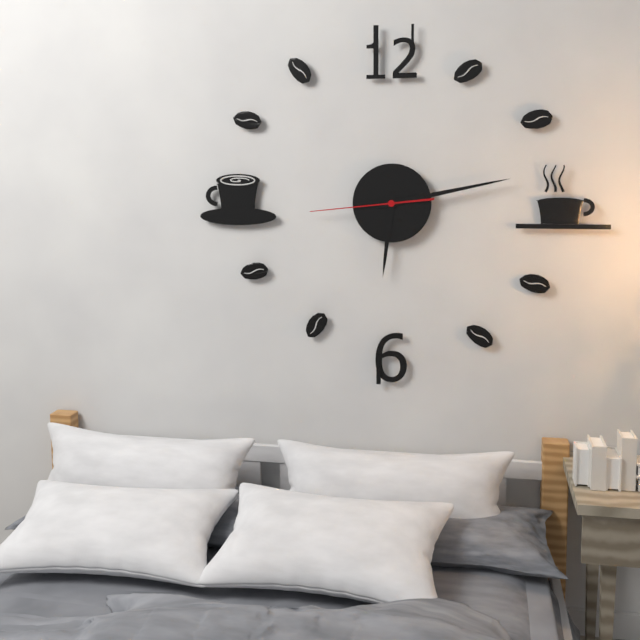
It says 6.13.44
